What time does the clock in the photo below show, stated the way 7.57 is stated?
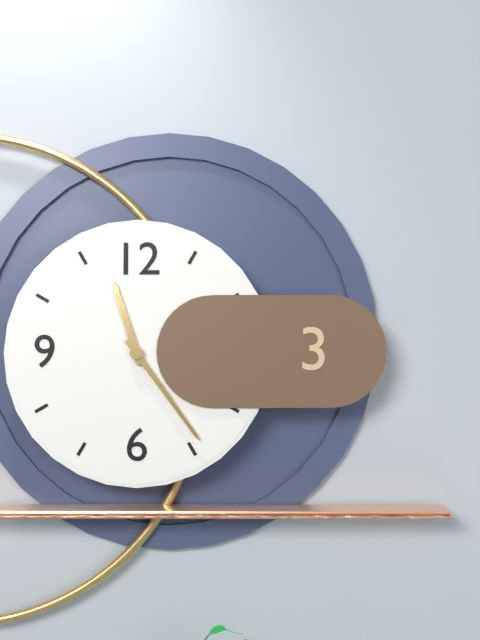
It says 11.24
